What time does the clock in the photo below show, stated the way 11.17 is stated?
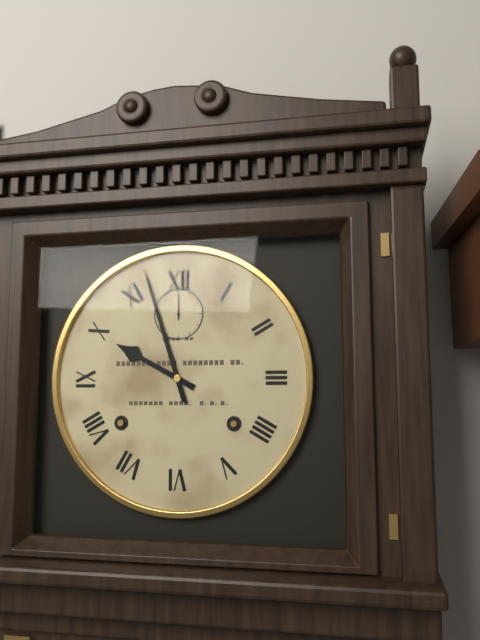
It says 9.57
